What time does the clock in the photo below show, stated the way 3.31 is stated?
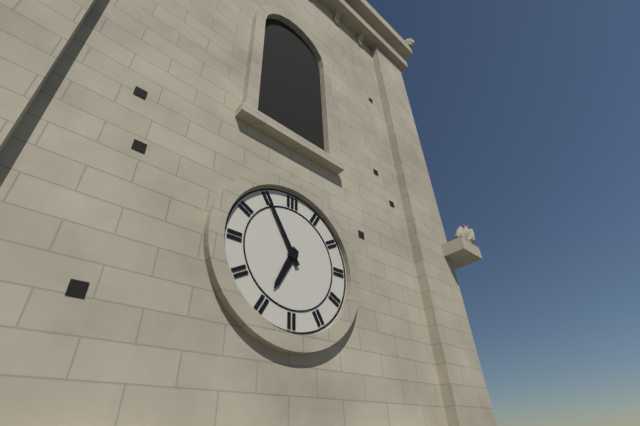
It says 6.55
